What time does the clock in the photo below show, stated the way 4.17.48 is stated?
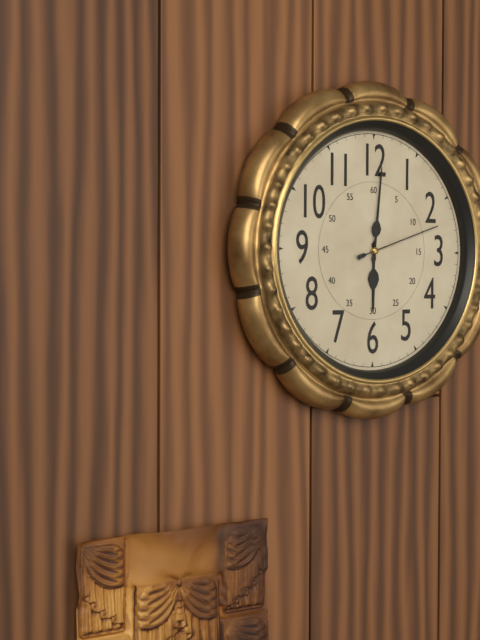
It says 6.01.12
